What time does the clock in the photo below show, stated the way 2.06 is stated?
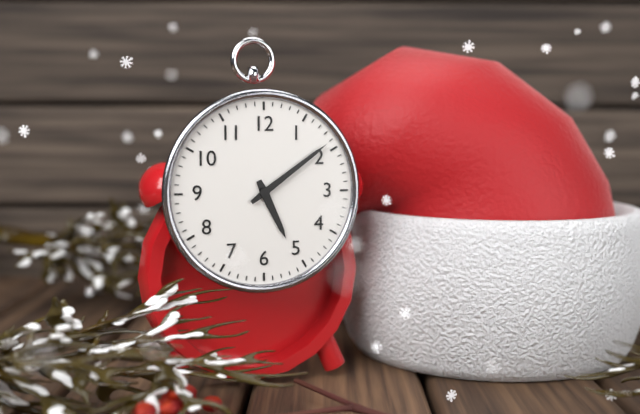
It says 5.09
